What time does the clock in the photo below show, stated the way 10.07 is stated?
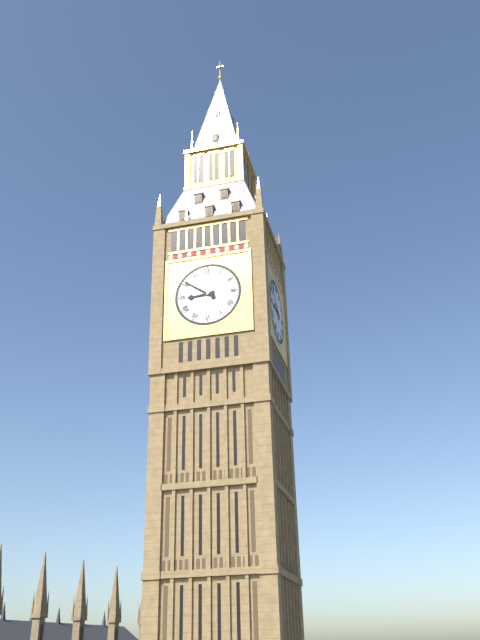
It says 8.51
